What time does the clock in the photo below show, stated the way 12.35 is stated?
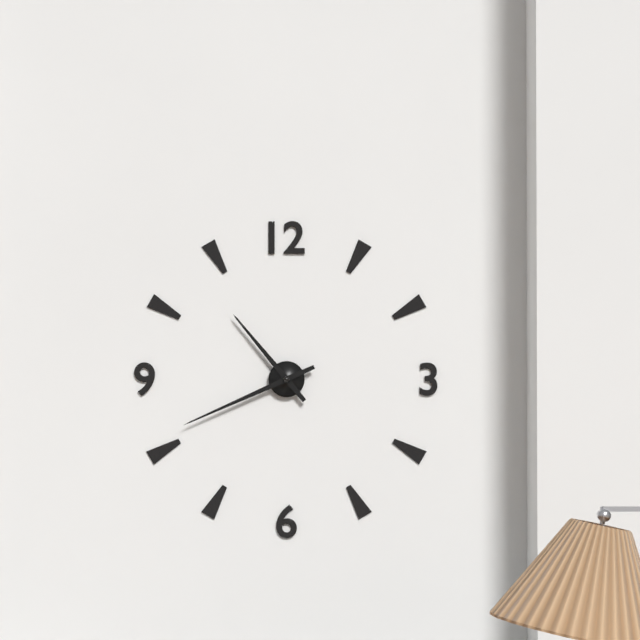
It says 10.41
